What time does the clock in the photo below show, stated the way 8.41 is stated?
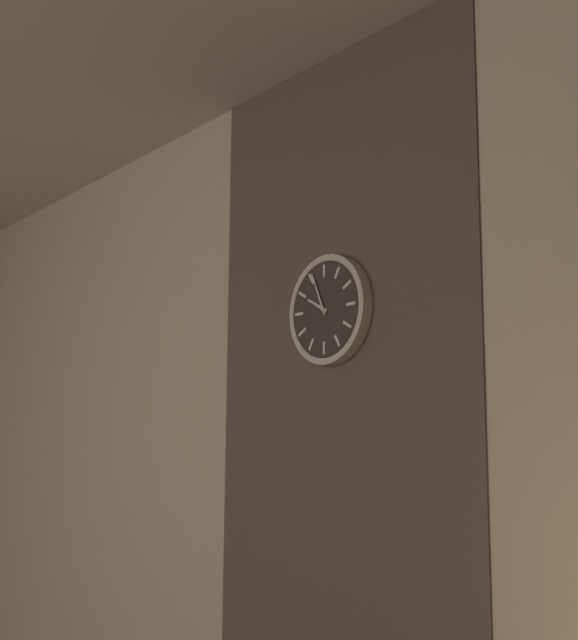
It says 9.56
